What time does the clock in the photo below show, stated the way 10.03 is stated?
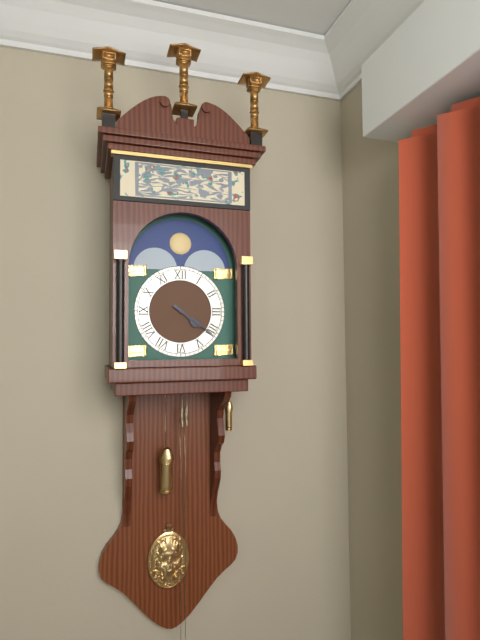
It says 4.21
